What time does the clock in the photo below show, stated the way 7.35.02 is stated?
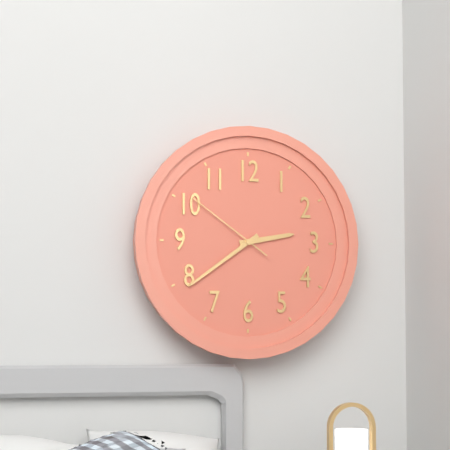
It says 2.39.51
